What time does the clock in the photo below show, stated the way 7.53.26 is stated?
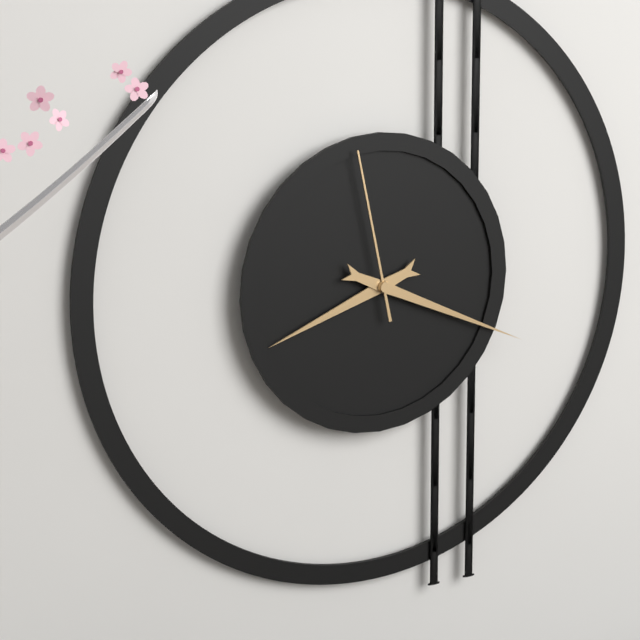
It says 8.19.58
